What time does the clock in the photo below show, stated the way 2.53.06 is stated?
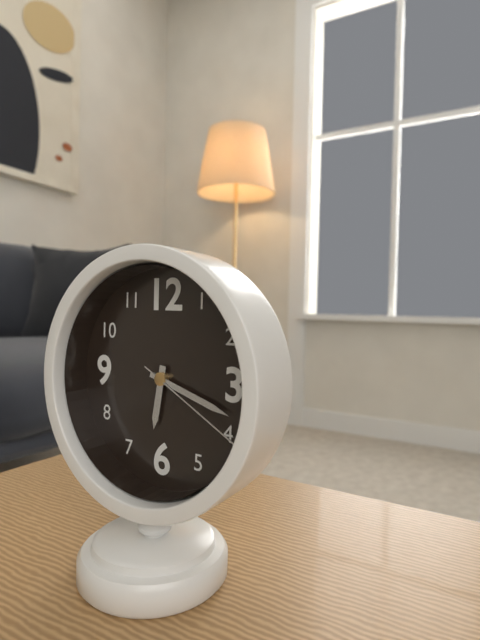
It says 6.18.20
